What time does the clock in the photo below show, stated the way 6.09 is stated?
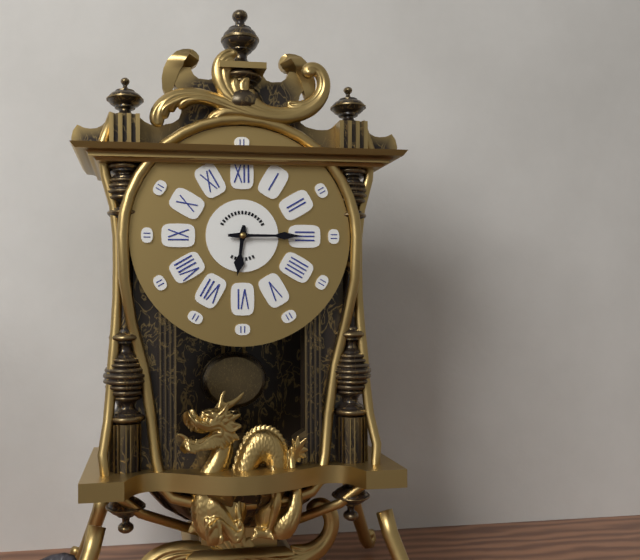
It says 6.15
